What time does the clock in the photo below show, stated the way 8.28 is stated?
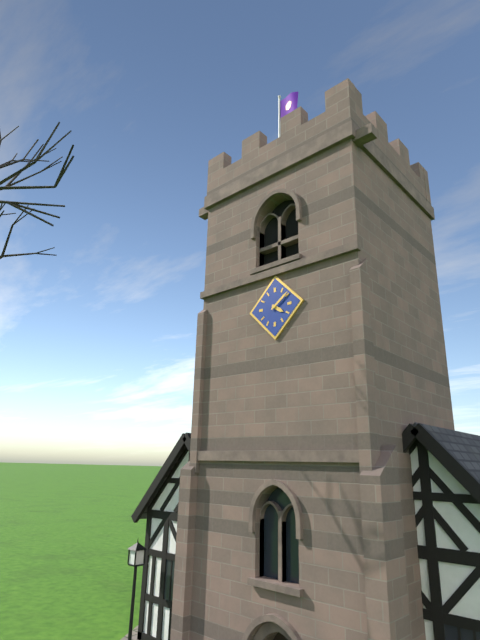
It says 4.09
